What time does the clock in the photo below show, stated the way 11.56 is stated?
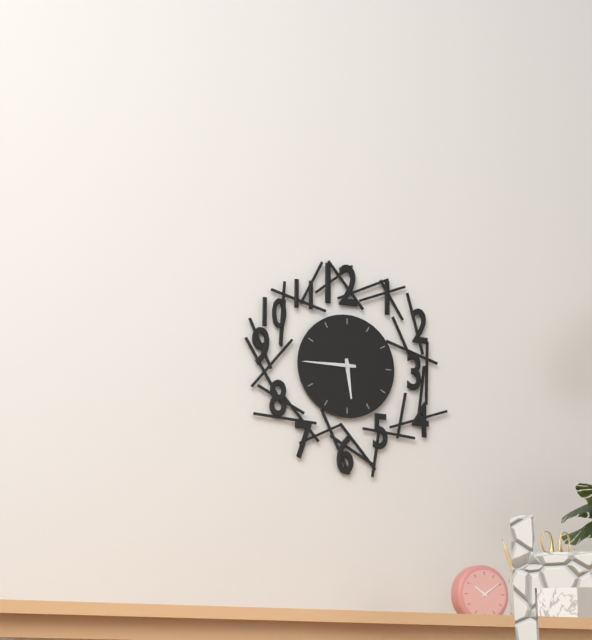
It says 5.45
